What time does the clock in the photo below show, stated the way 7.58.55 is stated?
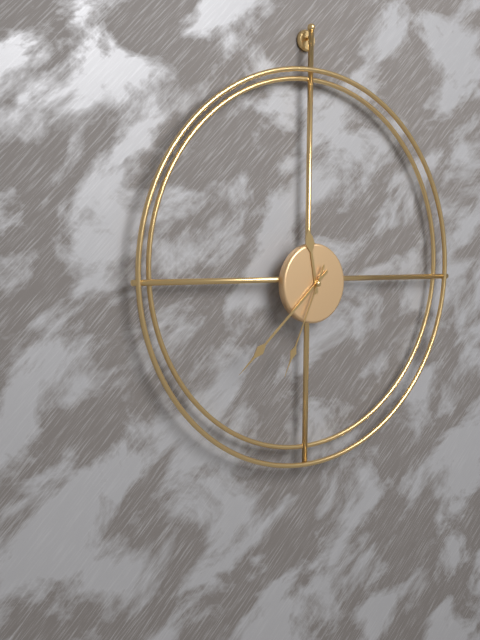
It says 11.38.34
